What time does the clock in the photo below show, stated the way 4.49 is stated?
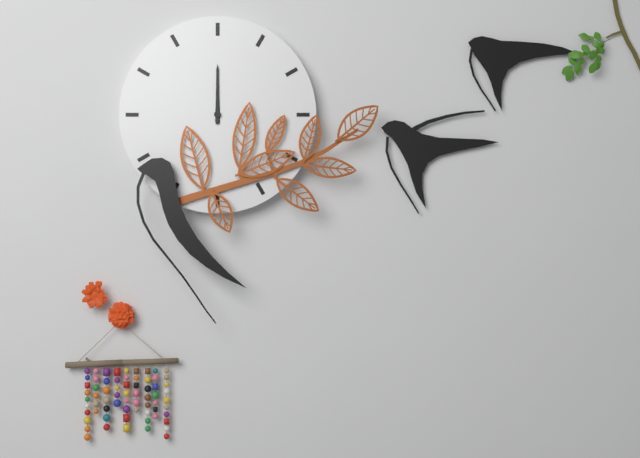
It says 12.00
